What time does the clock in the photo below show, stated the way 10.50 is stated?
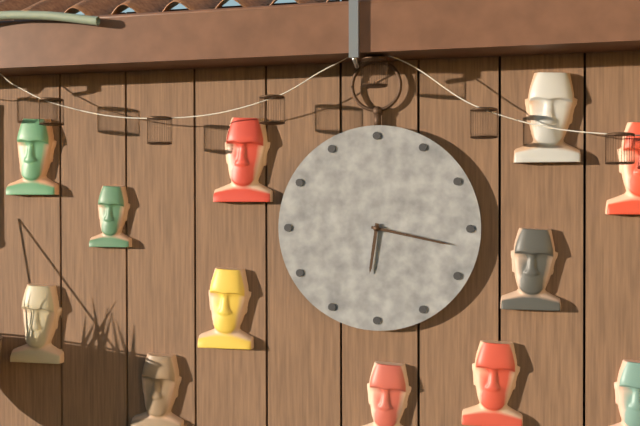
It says 6.17
